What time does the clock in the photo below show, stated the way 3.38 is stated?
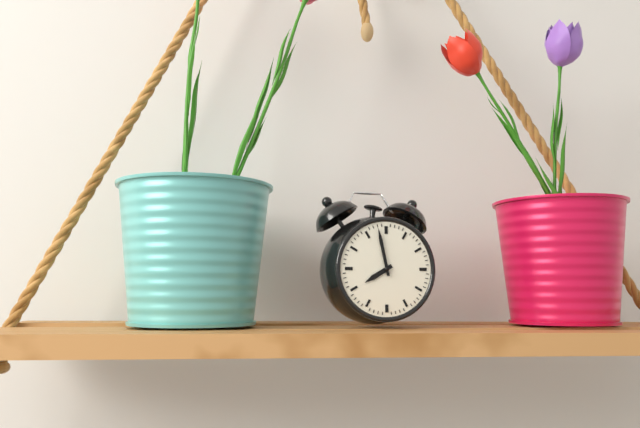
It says 7.58
